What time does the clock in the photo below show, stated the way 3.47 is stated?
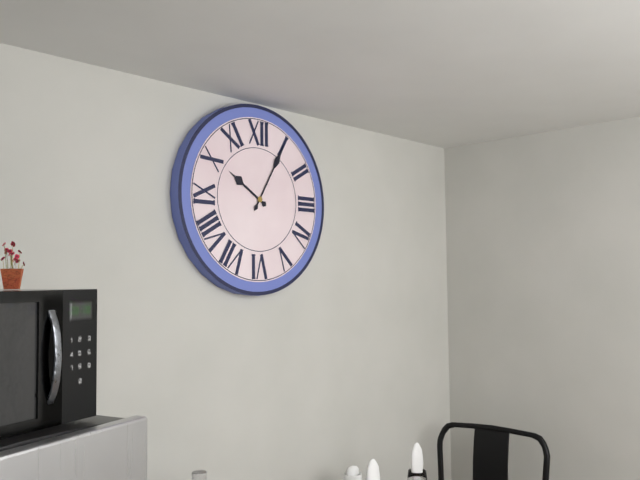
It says 10.05
